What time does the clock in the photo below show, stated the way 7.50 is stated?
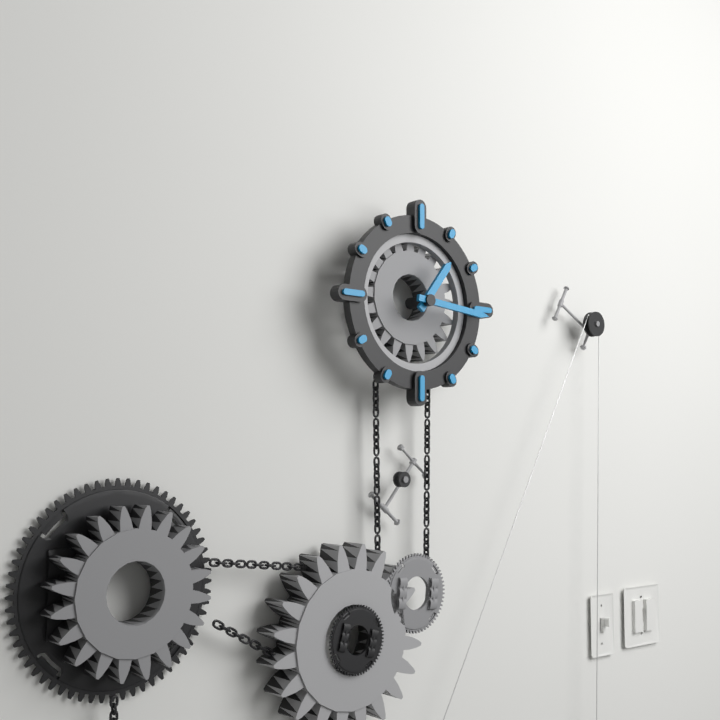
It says 1.16
